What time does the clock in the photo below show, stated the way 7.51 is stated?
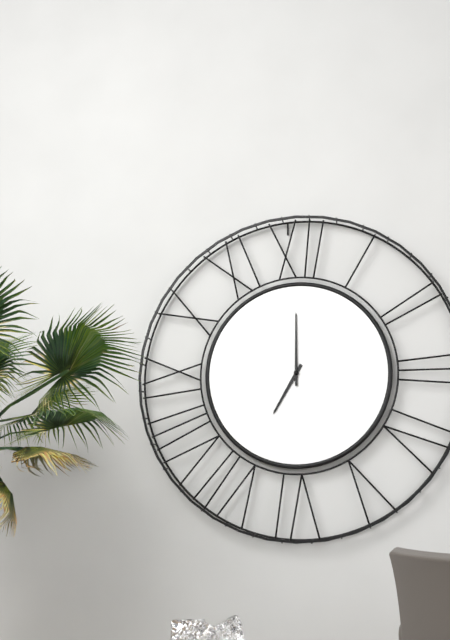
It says 7.00
